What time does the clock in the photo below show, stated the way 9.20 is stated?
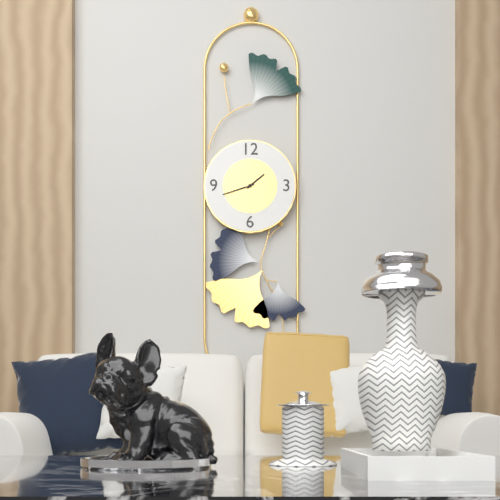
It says 1.42
